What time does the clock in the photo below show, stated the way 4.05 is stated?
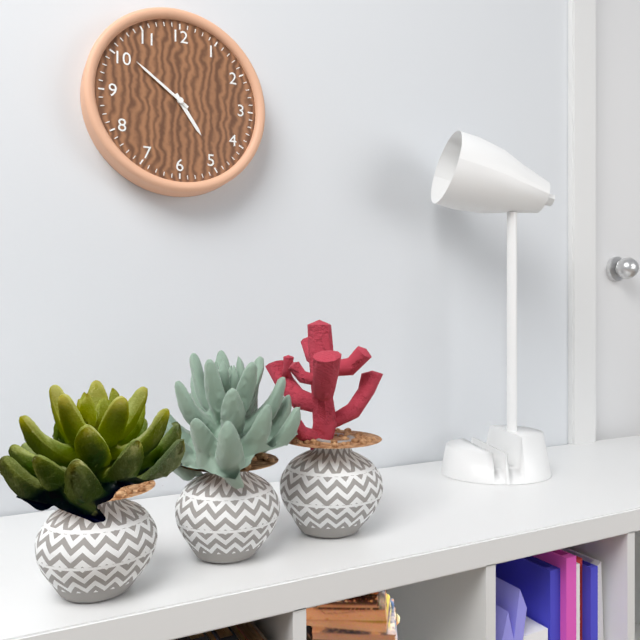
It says 4.51
